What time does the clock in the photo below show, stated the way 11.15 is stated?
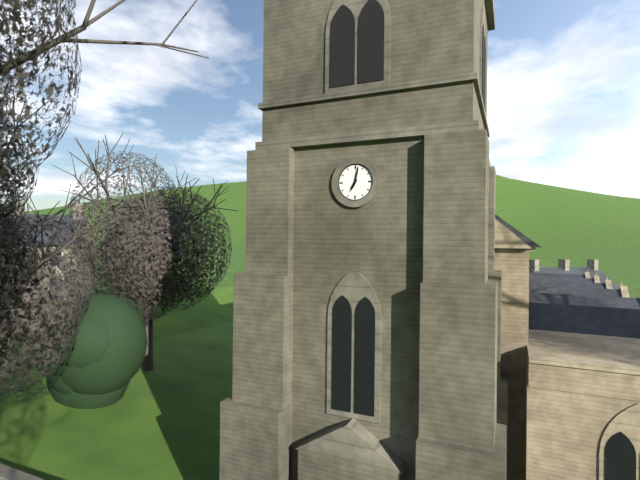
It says 7.02
